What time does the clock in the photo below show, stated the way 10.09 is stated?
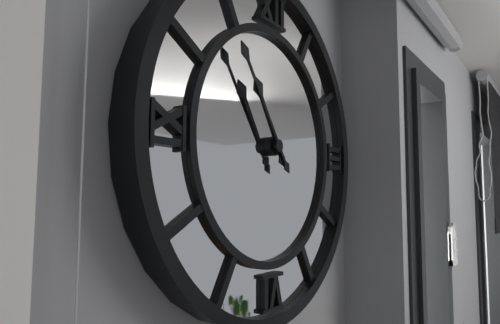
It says 10.54
